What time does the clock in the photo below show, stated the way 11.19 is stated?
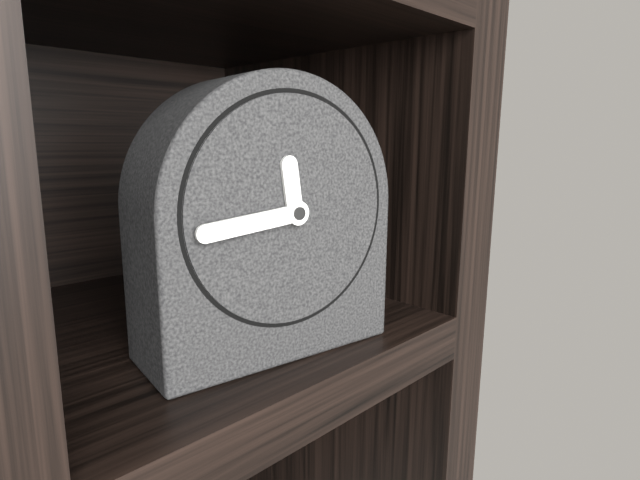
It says 11.44
